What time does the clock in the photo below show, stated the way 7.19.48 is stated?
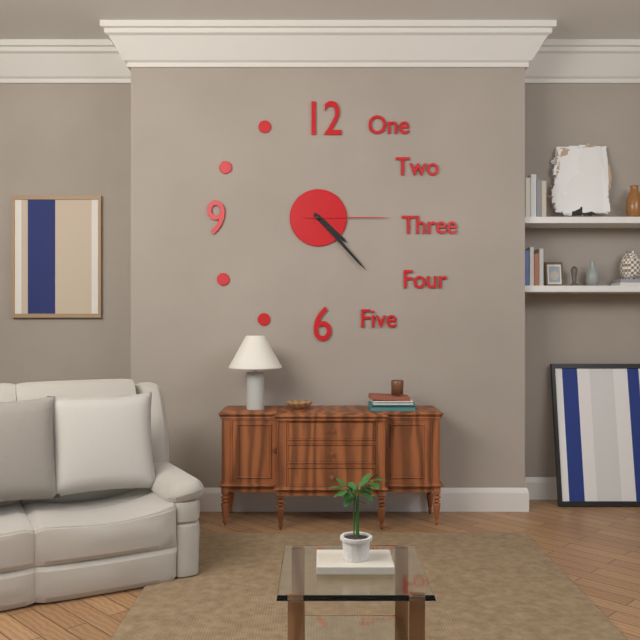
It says 4.23.15
